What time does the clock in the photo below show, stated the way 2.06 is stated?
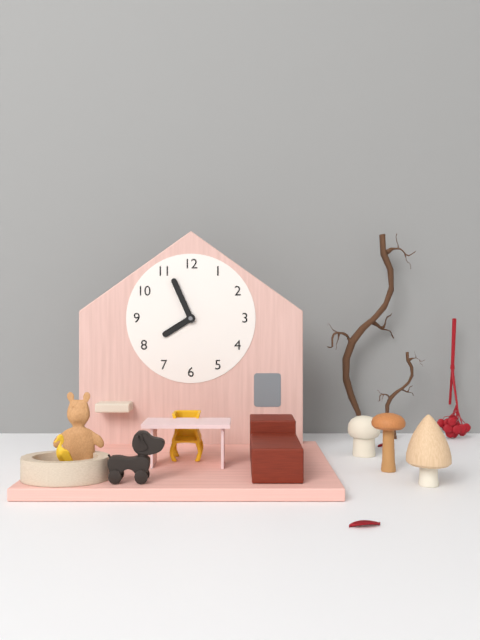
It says 7.56
